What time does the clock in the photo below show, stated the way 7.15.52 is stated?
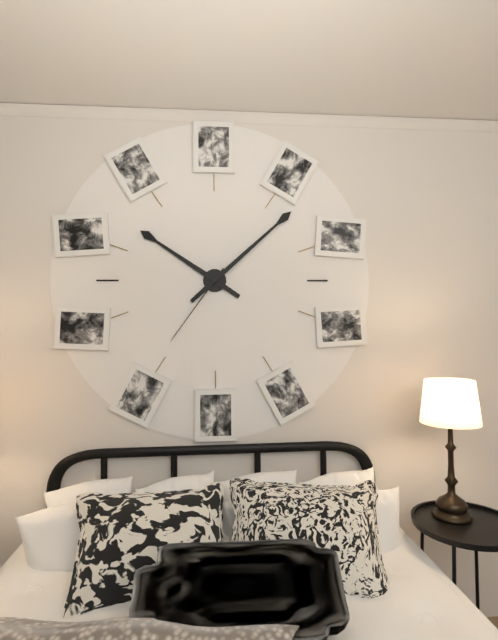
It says 10.08.36
